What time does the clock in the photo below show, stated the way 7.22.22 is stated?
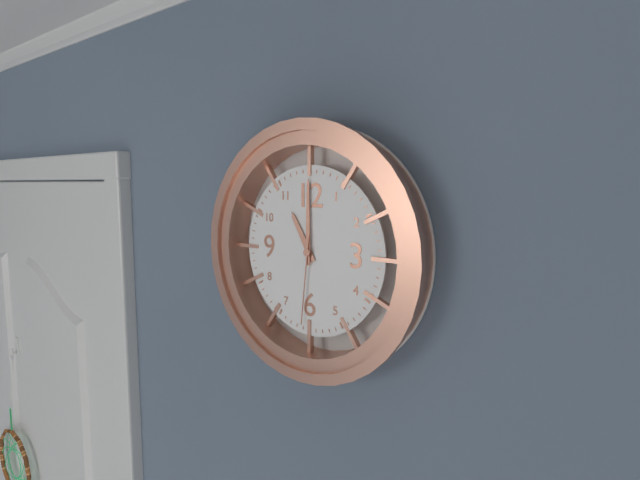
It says 11.00.31
